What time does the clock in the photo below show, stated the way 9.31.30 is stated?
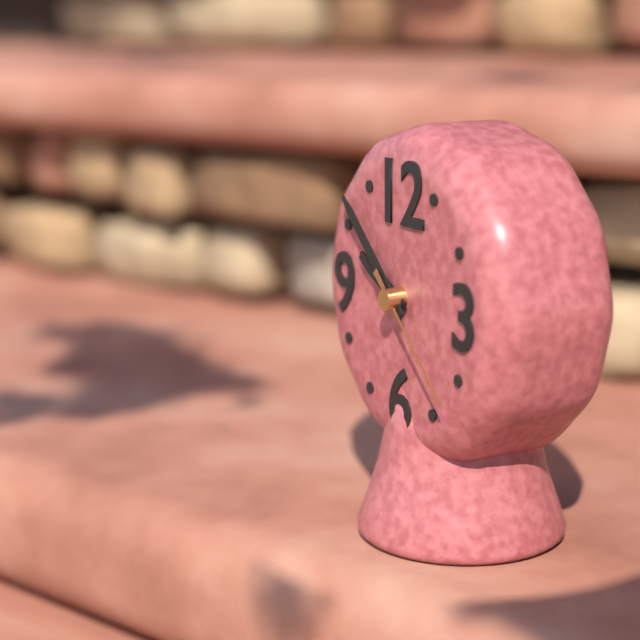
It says 9.52.22
